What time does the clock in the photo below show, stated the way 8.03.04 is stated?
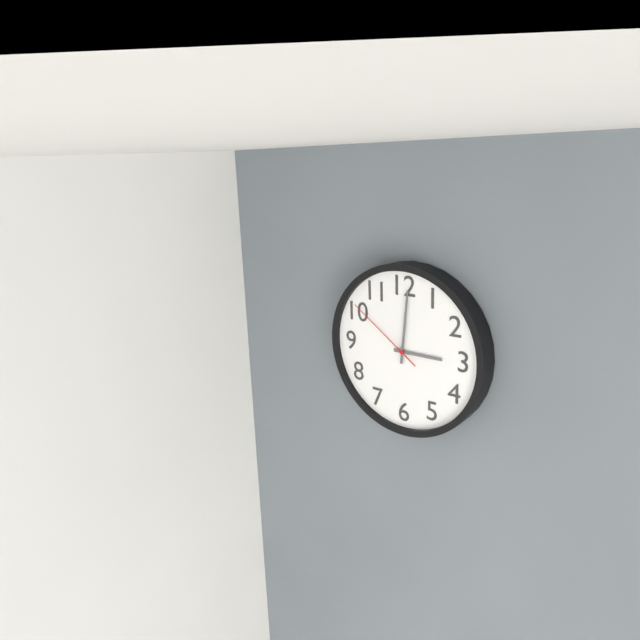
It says 3.01.51
